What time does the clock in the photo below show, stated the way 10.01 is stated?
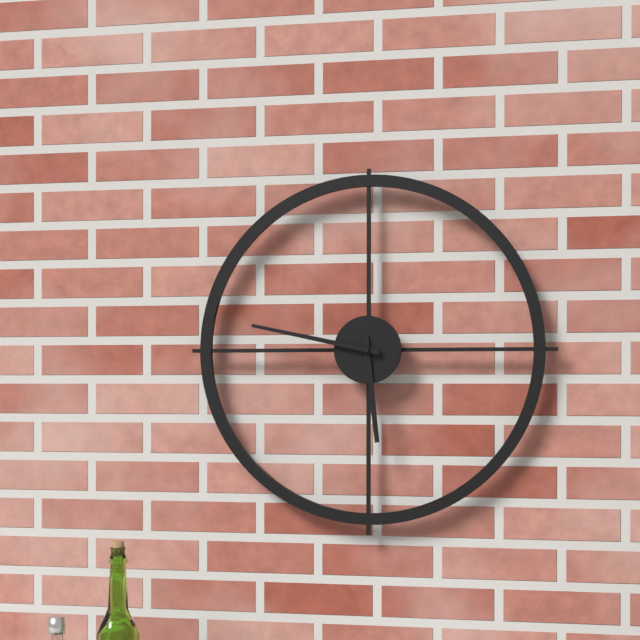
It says 5.47
